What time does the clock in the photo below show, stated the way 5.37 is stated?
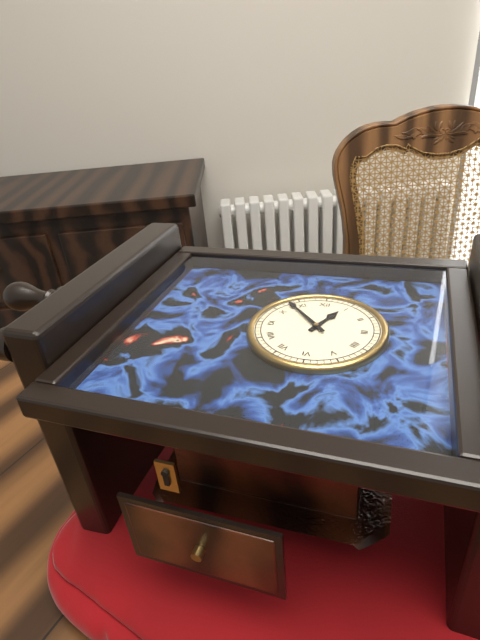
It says 12.53
